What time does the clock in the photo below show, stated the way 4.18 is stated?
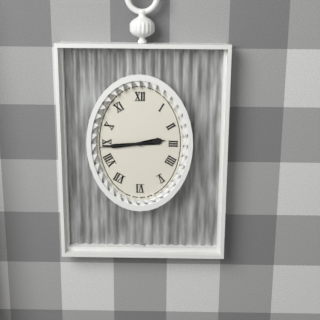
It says 2.44
